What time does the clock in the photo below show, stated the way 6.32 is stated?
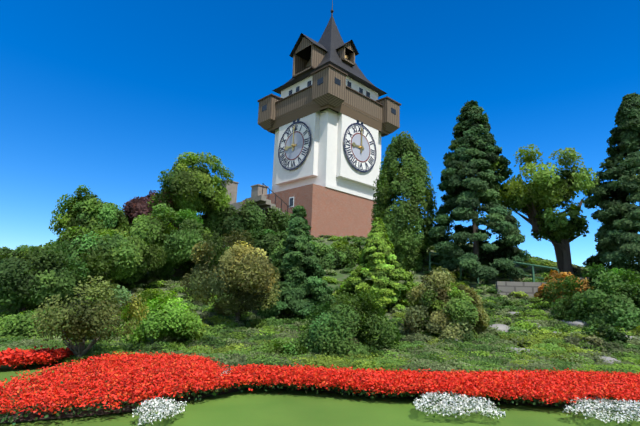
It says 9.00
